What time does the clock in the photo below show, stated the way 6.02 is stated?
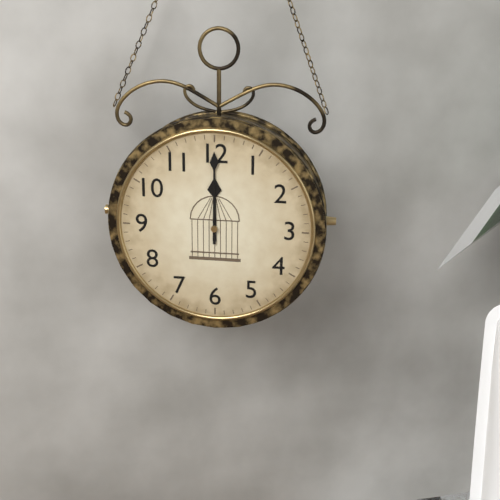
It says 12.00
